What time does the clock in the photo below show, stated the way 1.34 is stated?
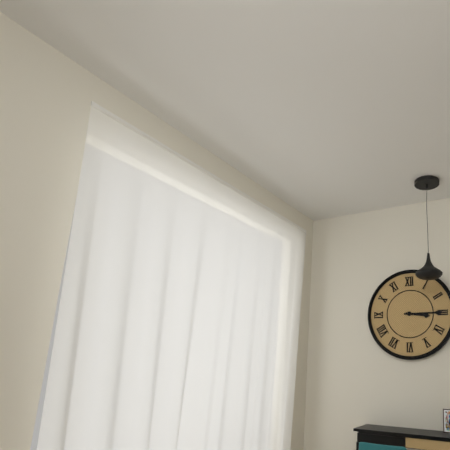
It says 3.15
